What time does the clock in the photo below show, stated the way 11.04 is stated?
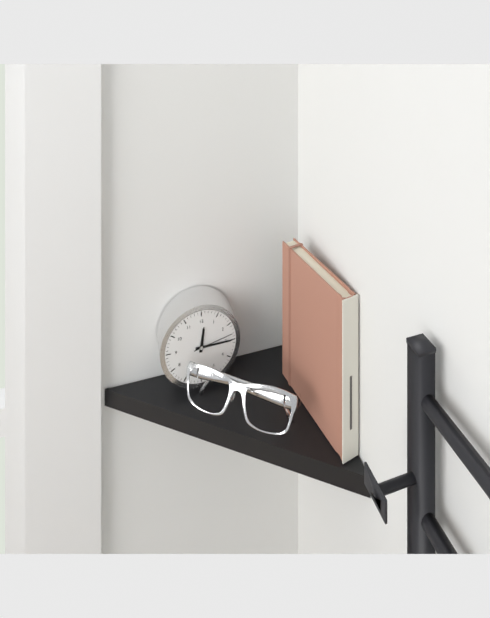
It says 12.15
